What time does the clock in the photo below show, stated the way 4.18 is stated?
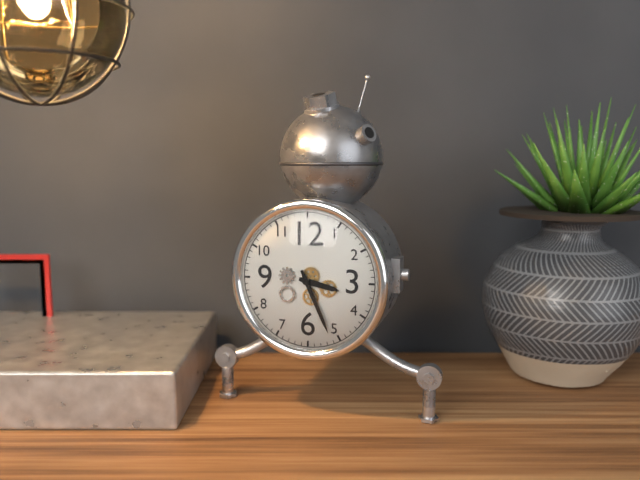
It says 3.26
